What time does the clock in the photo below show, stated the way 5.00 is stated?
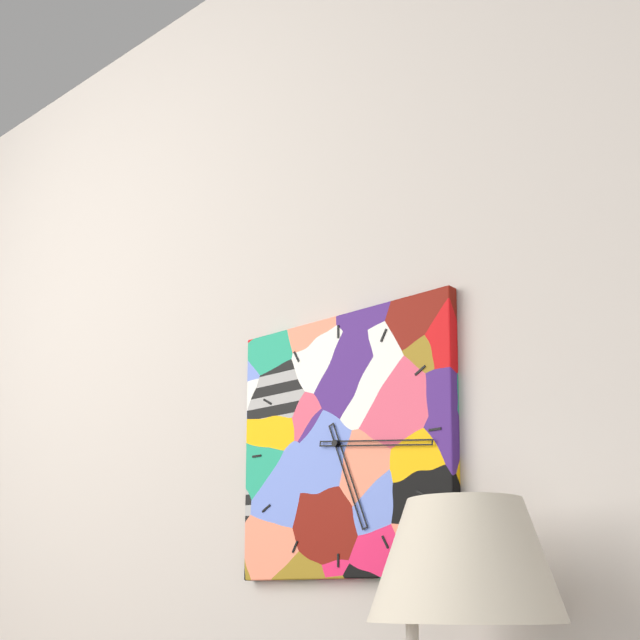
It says 5.16
